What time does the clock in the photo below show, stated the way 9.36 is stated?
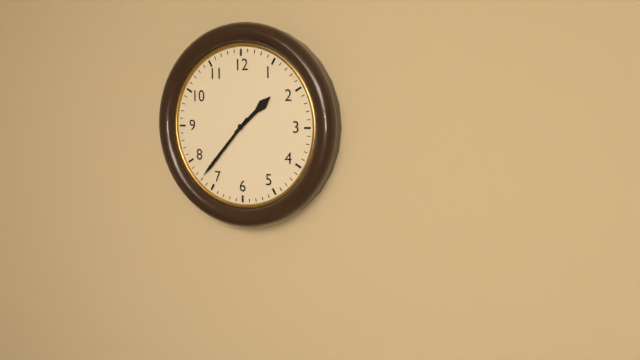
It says 1.37
